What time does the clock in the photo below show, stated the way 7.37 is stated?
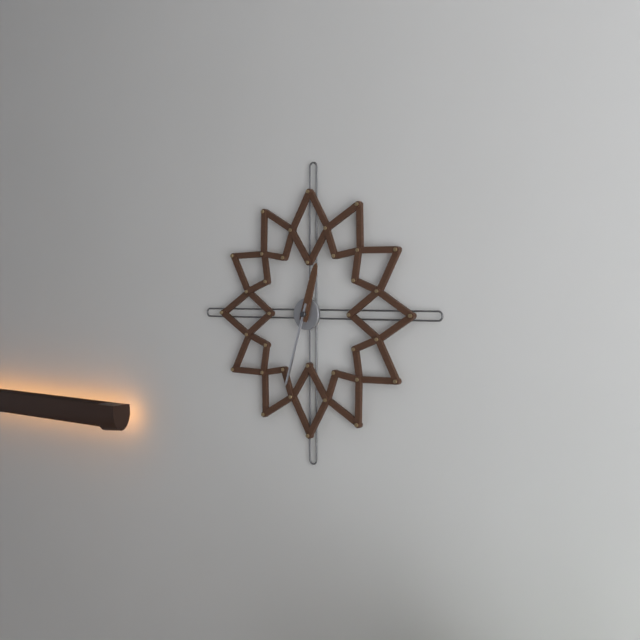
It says 12.33
